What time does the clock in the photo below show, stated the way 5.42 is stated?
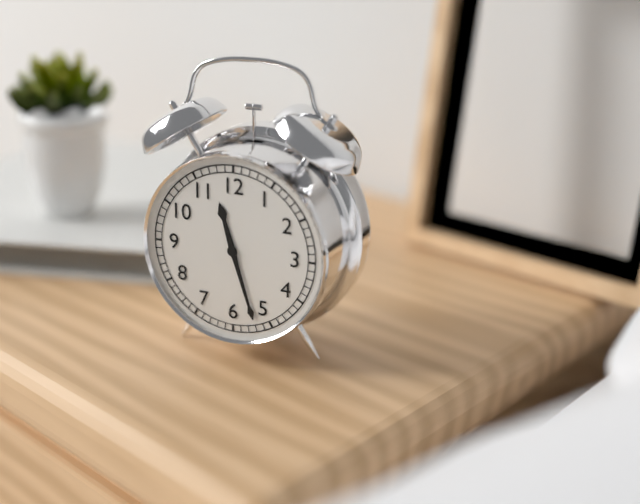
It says 11.27
